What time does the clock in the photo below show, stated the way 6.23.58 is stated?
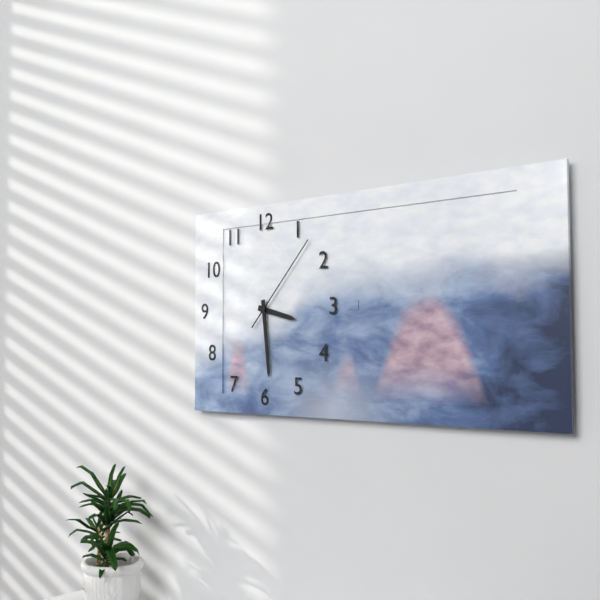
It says 3.29.07
